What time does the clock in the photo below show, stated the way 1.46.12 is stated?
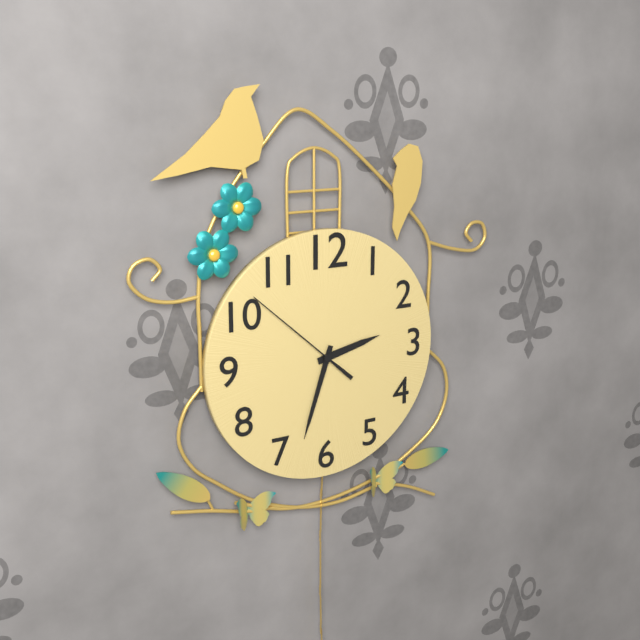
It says 2.33.52
